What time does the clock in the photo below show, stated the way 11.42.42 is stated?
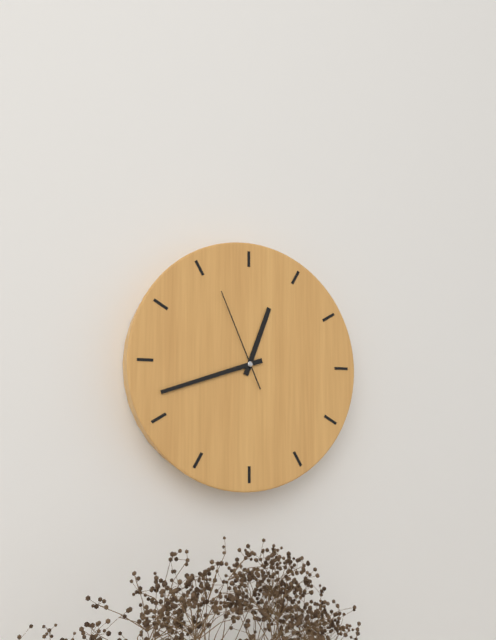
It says 12.42.56
